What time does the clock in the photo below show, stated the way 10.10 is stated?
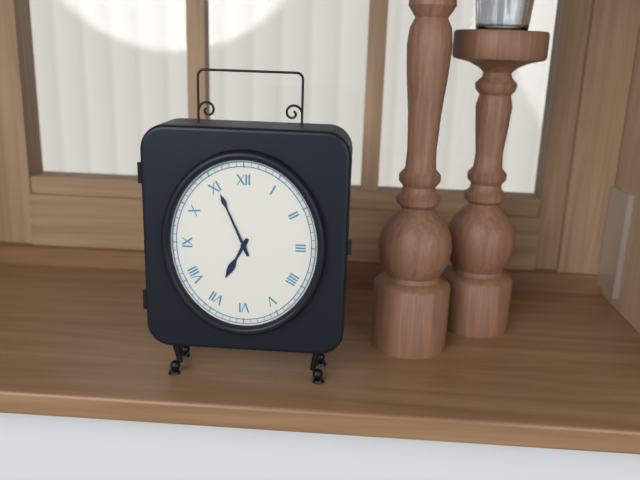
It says 6.56
